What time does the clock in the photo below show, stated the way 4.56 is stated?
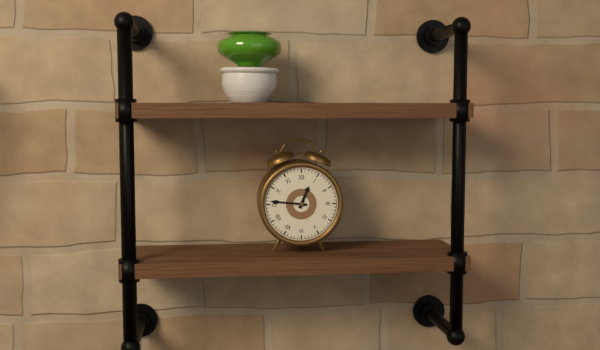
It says 12.46
